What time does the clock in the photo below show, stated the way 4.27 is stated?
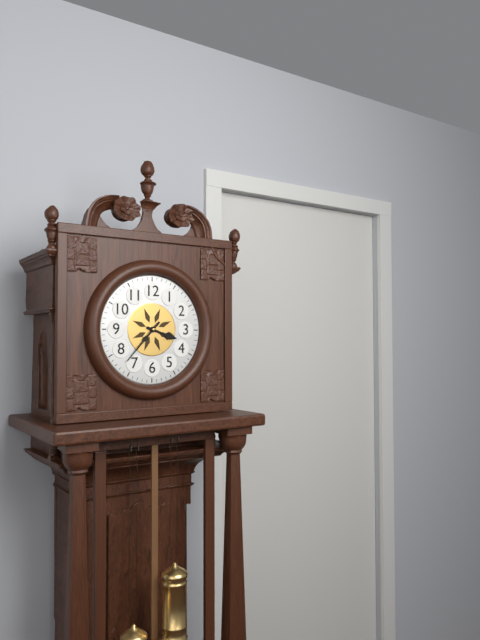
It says 3.37
